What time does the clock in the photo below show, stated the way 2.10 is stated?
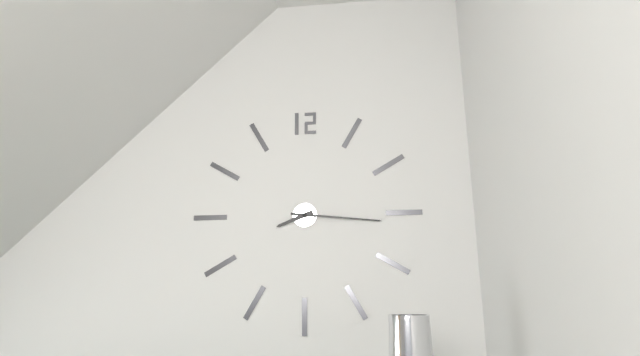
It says 8.16
